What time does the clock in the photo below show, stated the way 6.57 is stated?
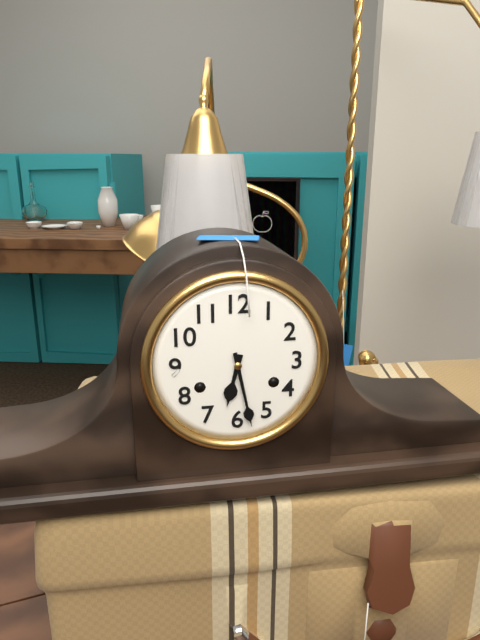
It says 6.28
